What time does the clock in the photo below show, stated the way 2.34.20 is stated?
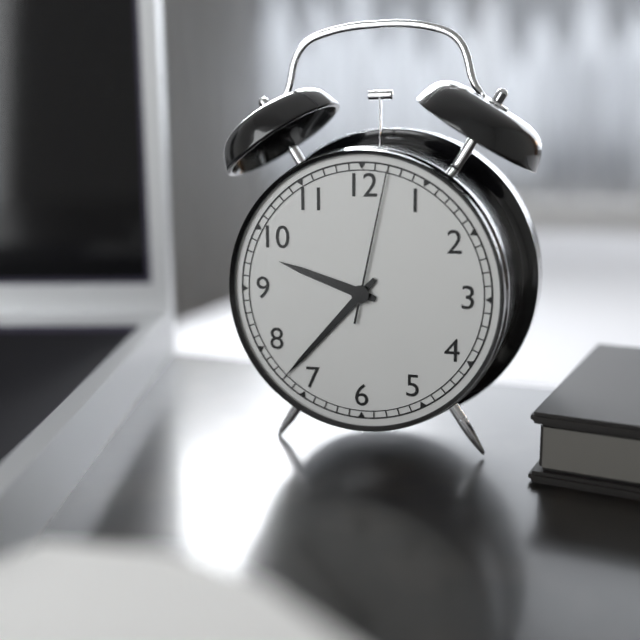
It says 9.37.02
